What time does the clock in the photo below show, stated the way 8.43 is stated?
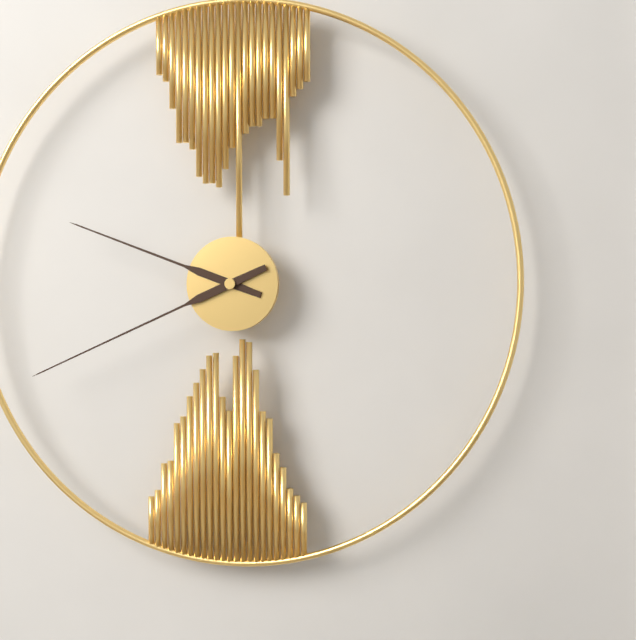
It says 9.41
